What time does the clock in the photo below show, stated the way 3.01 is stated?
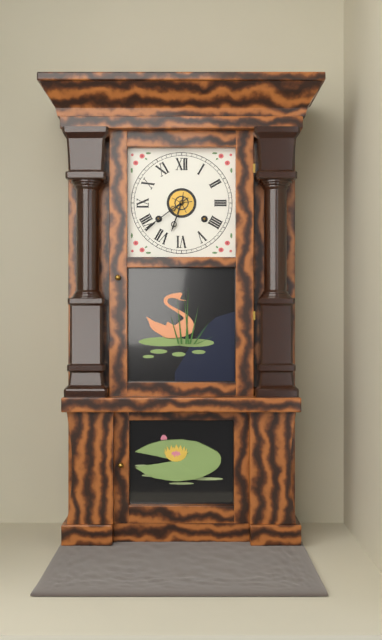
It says 6.39
